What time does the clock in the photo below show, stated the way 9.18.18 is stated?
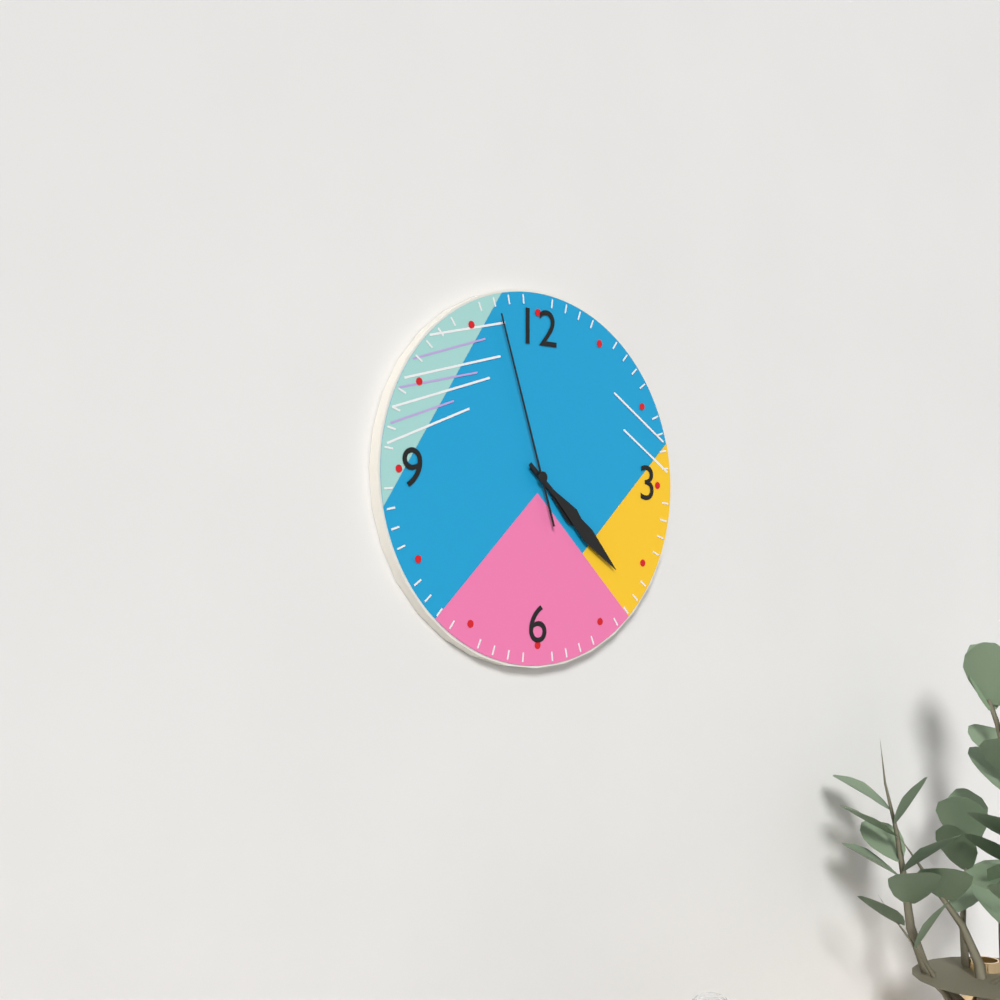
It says 4.22.57
